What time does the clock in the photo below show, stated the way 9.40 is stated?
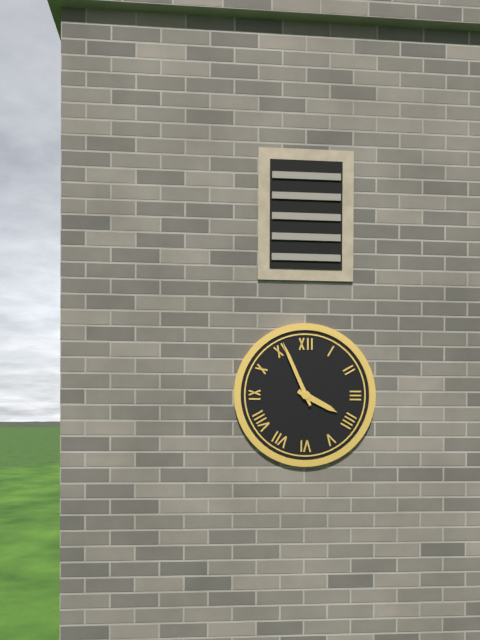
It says 3.56
